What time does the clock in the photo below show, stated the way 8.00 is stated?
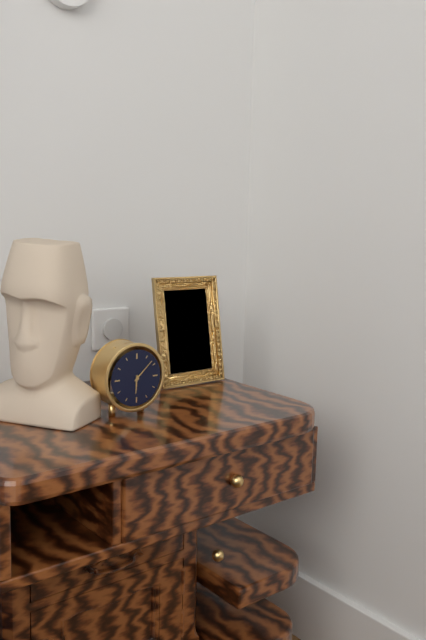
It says 6.08
